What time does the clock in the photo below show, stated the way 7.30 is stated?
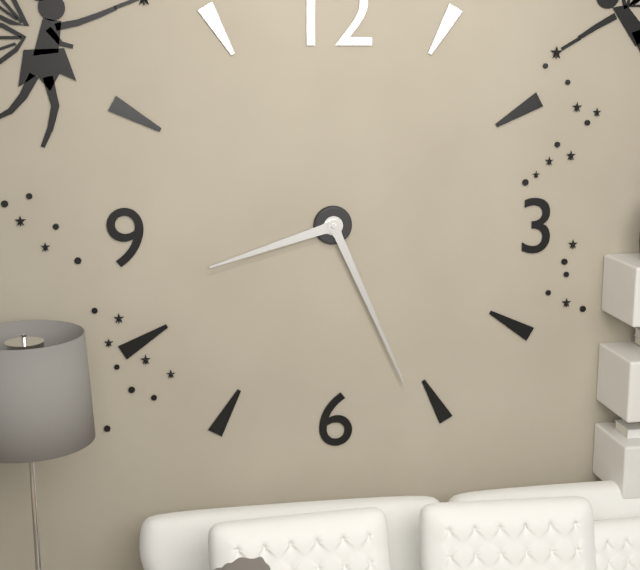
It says 8.26
